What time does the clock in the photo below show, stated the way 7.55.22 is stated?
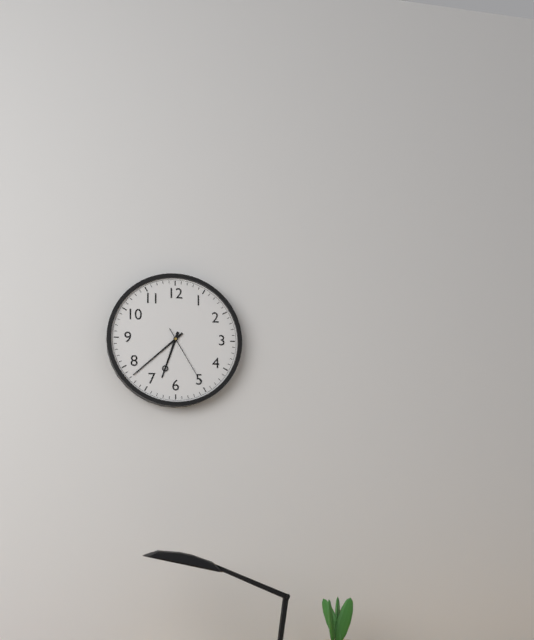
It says 6.38.25
